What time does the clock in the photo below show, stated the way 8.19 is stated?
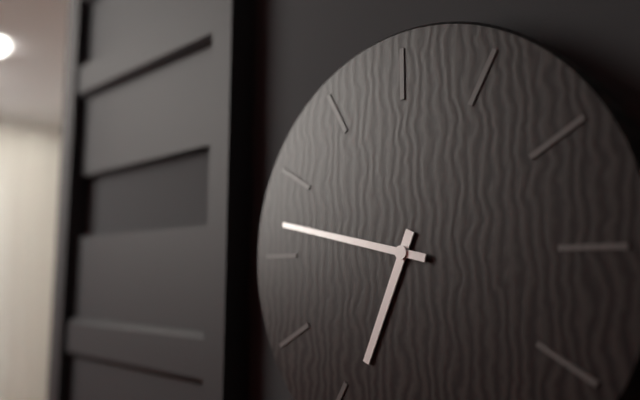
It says 6.47
